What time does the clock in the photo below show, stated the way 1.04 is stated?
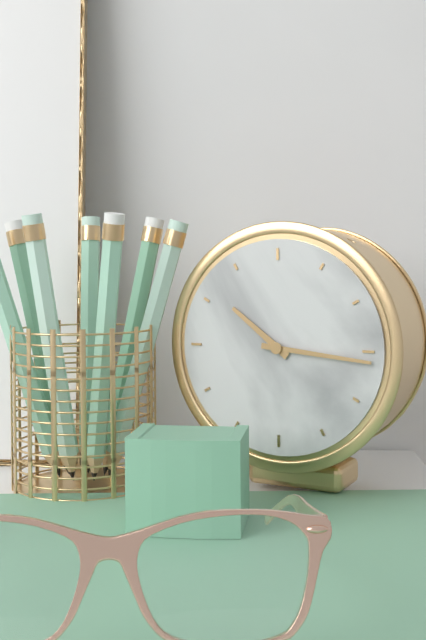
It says 10.16
